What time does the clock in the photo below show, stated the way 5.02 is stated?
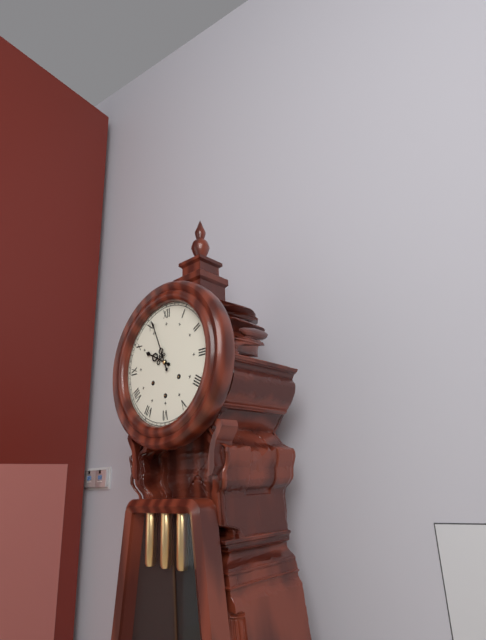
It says 9.56
